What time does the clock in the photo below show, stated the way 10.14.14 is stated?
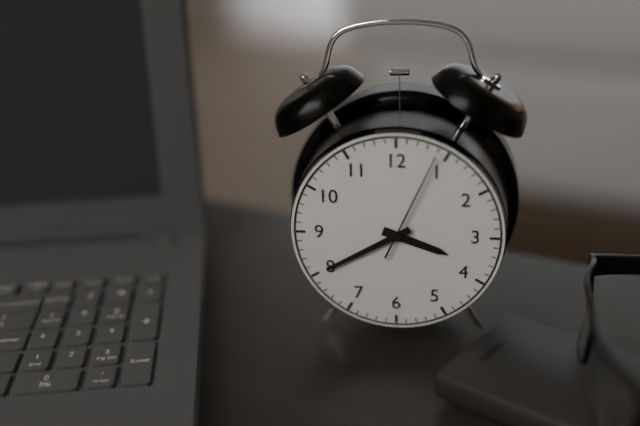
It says 3.40.04
